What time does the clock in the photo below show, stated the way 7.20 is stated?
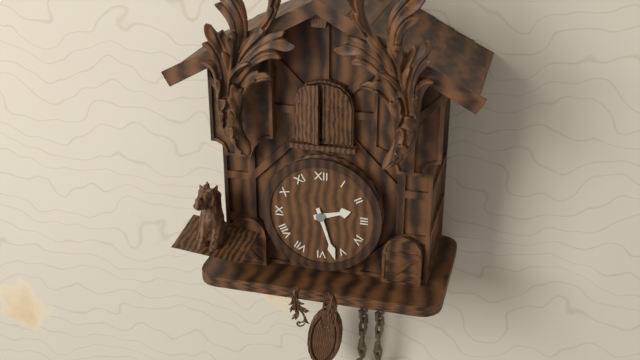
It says 2.27
